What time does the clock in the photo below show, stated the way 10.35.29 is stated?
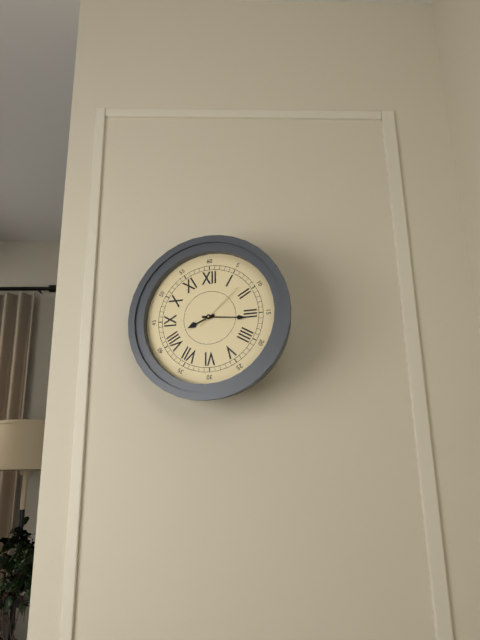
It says 8.16.08
